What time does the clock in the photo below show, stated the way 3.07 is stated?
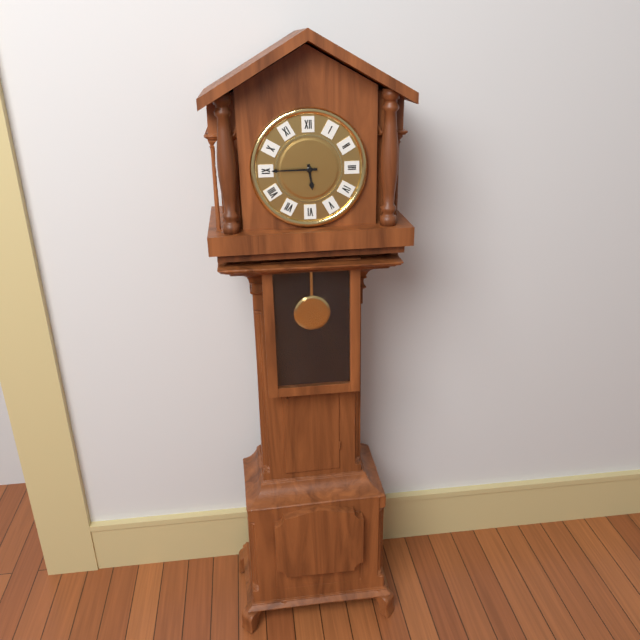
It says 5.45
